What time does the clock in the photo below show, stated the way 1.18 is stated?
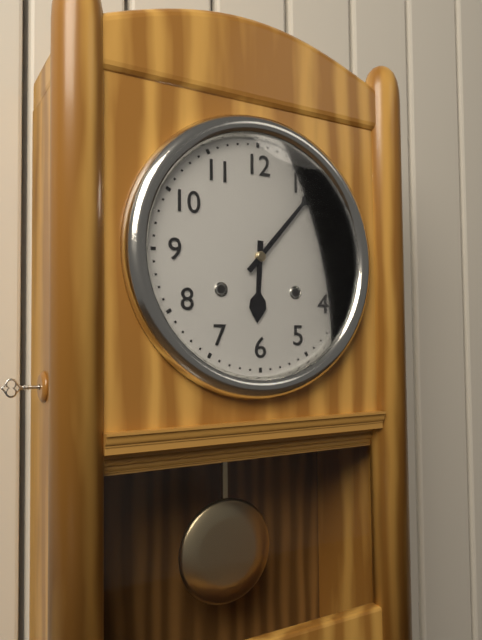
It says 6.07
